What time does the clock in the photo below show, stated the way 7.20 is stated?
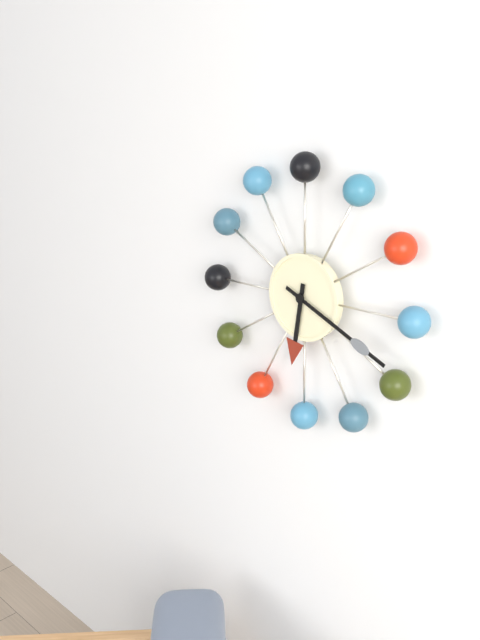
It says 6.19
